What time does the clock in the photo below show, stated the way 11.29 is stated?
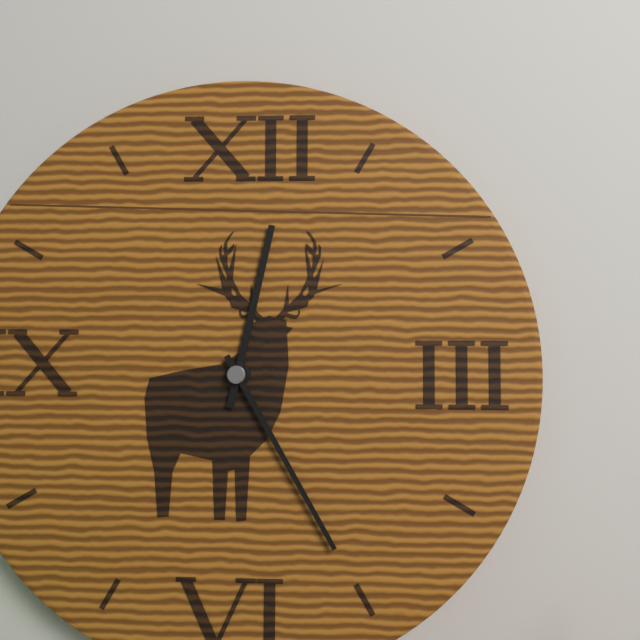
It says 12.25
